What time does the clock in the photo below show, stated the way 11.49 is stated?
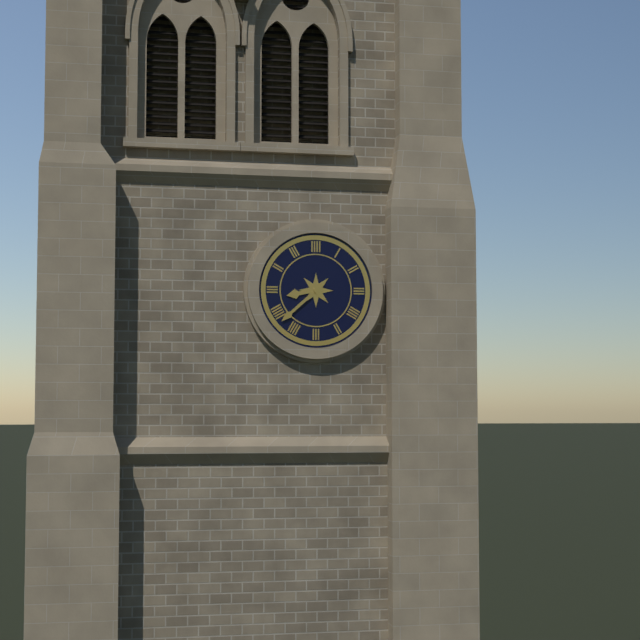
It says 8.38
